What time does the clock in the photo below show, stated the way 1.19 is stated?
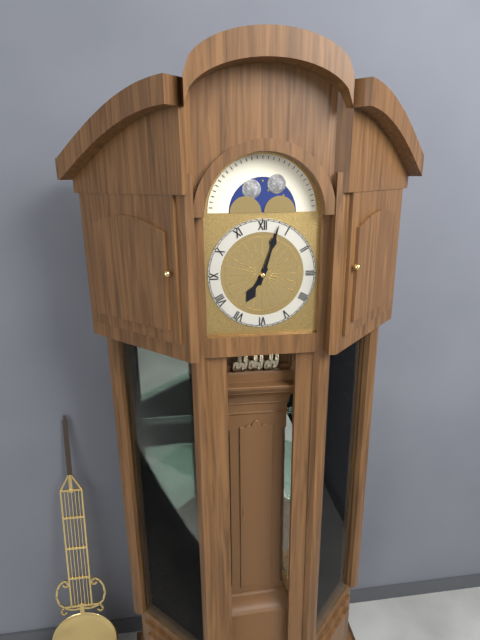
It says 7.03
